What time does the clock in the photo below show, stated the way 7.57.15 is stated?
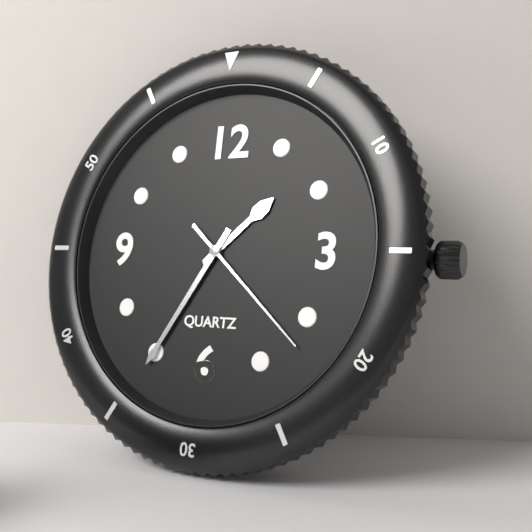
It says 1.35.22
